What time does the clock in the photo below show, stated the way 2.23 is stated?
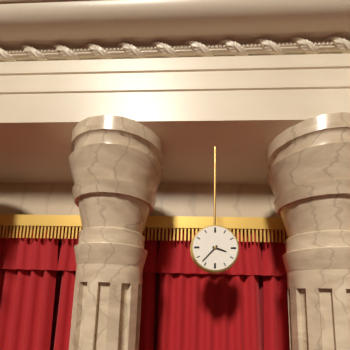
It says 3.37
